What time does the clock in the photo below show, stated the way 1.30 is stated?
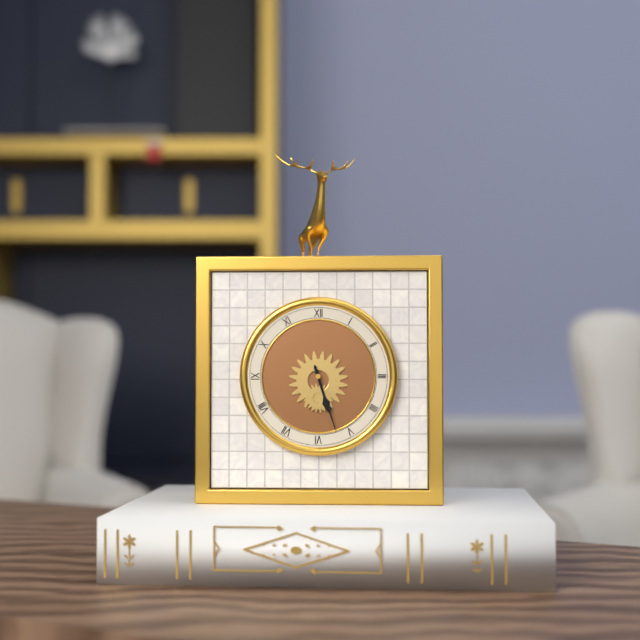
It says 5.27
